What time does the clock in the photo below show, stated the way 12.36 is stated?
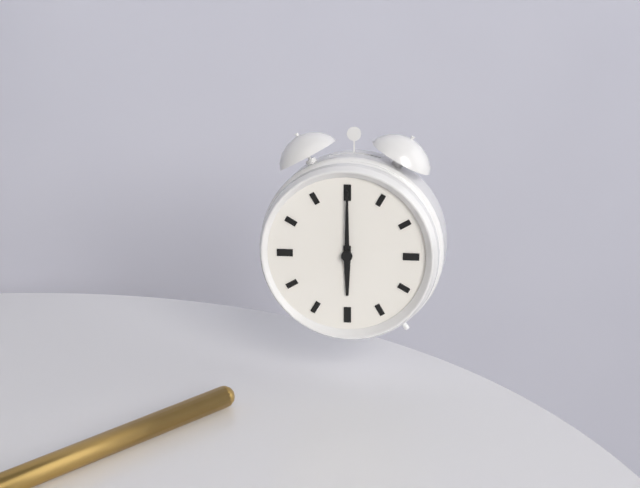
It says 6.00
